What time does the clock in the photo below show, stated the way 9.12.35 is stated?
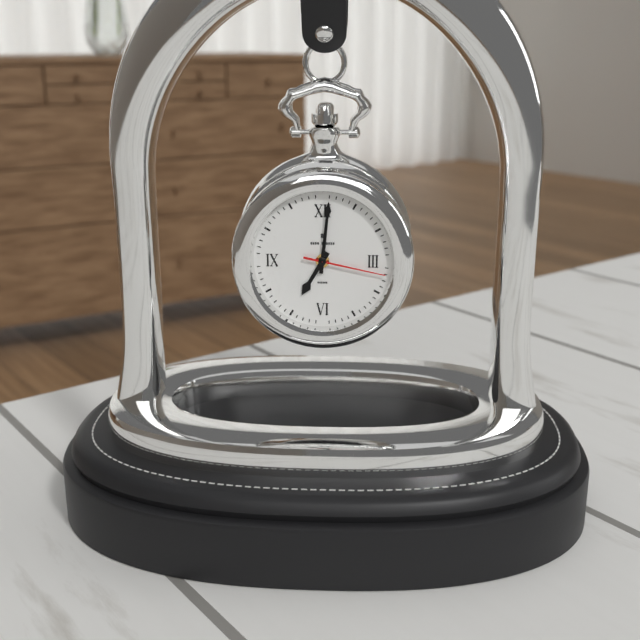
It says 7.01.17
